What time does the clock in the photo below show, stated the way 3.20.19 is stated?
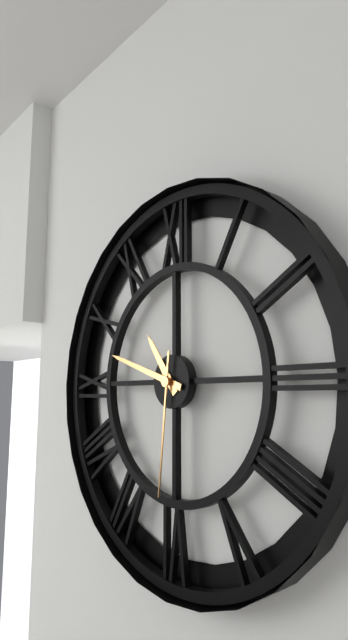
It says 10.48.31
